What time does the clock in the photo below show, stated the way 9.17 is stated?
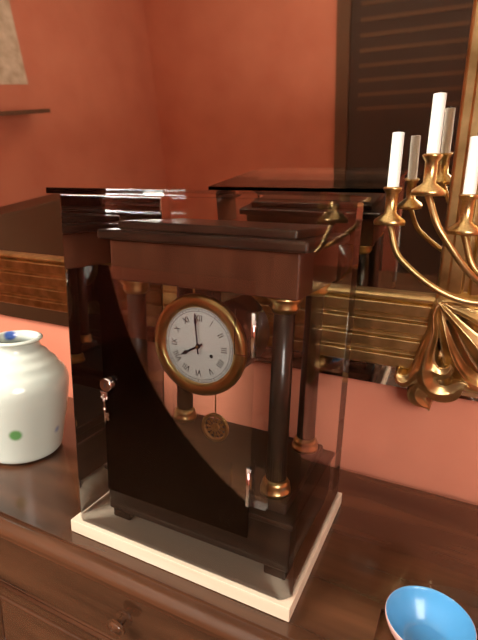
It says 7.59
